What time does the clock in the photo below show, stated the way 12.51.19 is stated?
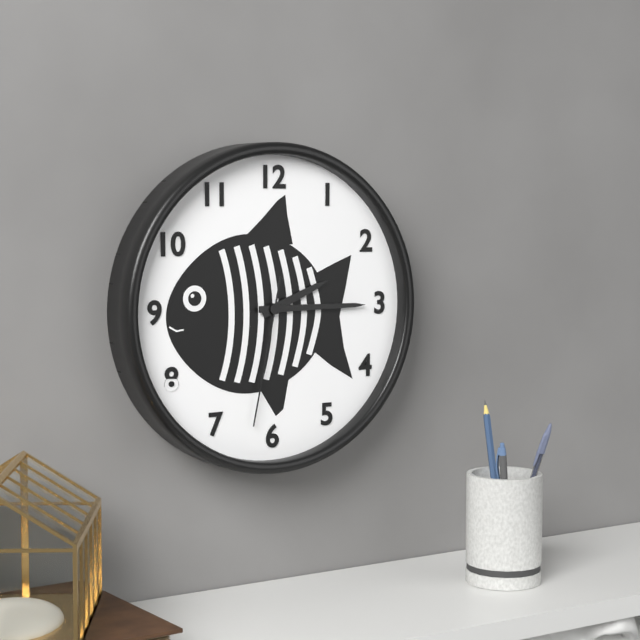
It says 2.15.32
